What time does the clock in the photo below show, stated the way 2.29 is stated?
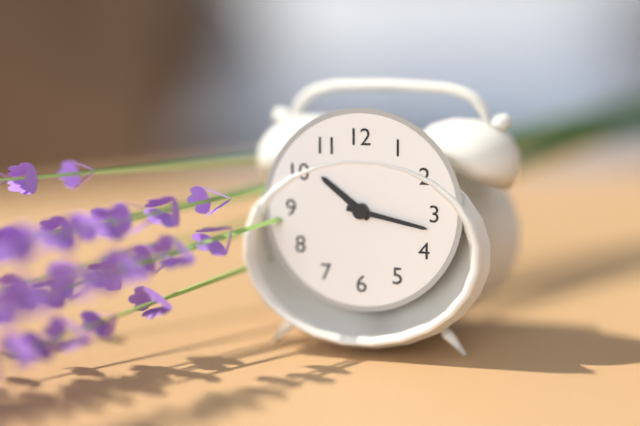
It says 10.17
